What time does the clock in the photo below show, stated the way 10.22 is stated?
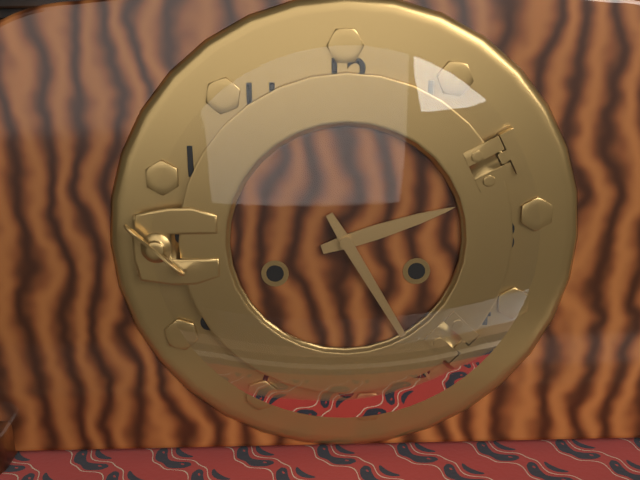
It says 2.25
